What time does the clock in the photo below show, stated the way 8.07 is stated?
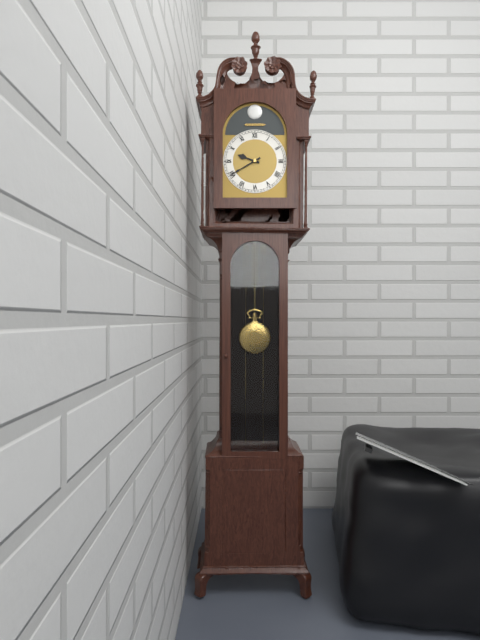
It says 9.40
